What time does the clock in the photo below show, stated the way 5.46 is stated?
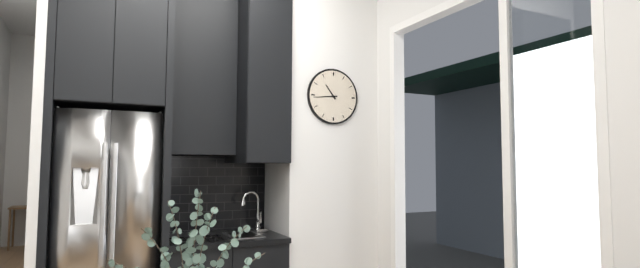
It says 10.44
